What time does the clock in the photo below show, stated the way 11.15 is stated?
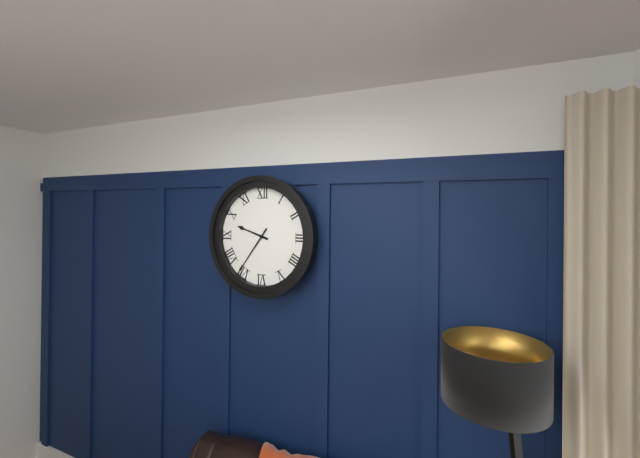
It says 9.36
